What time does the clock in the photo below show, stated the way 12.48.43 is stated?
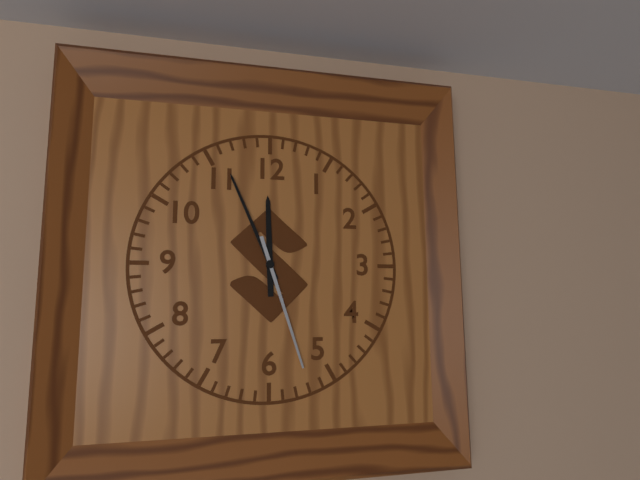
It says 11.56.27
